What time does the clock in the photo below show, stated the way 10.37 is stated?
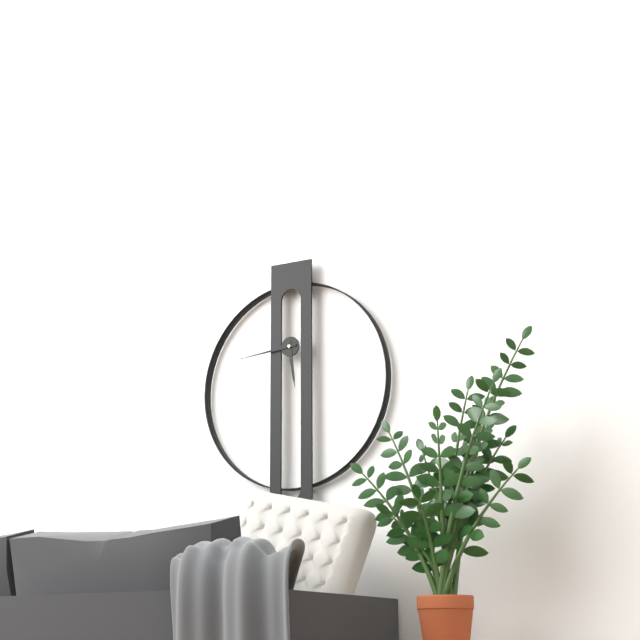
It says 5.44
